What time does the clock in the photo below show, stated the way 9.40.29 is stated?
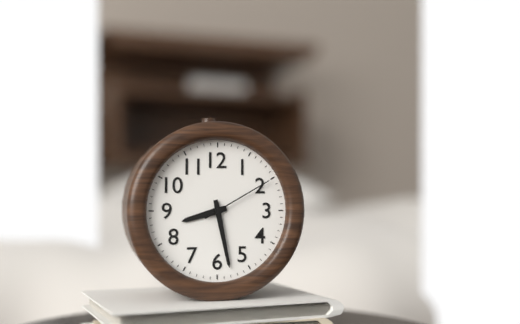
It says 8.28.10
